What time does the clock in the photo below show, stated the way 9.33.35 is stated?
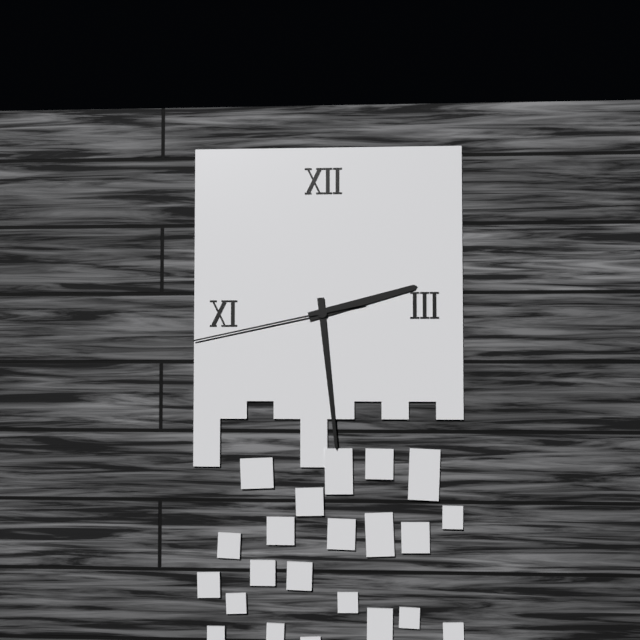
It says 2.29.43
